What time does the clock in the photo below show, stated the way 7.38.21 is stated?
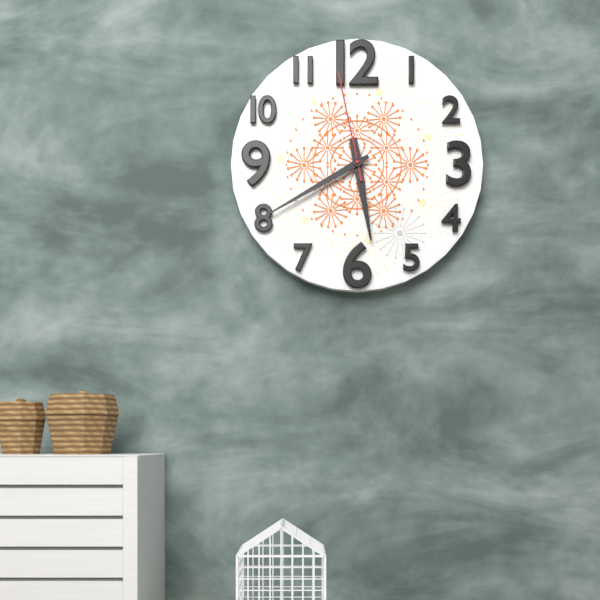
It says 5.40.58
